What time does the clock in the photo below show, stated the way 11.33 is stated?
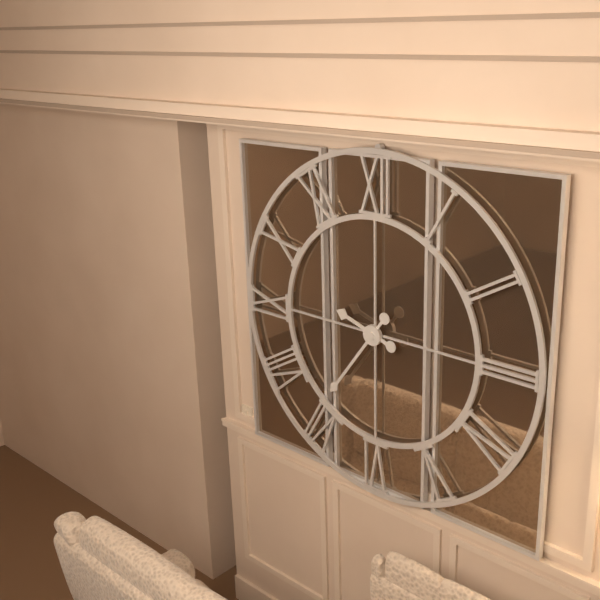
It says 9.36
